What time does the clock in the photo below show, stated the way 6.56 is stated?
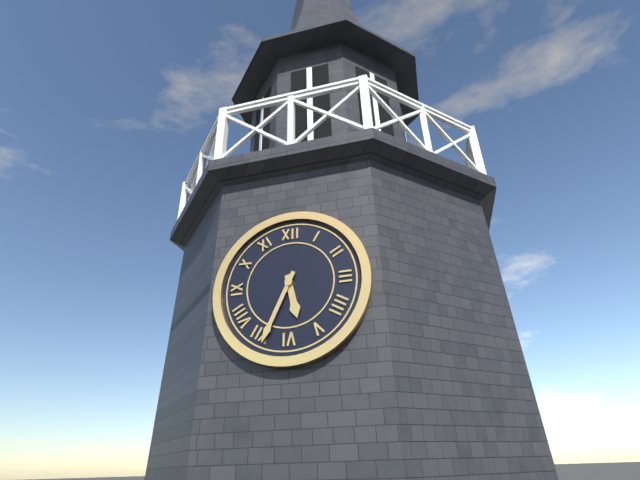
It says 5.34
